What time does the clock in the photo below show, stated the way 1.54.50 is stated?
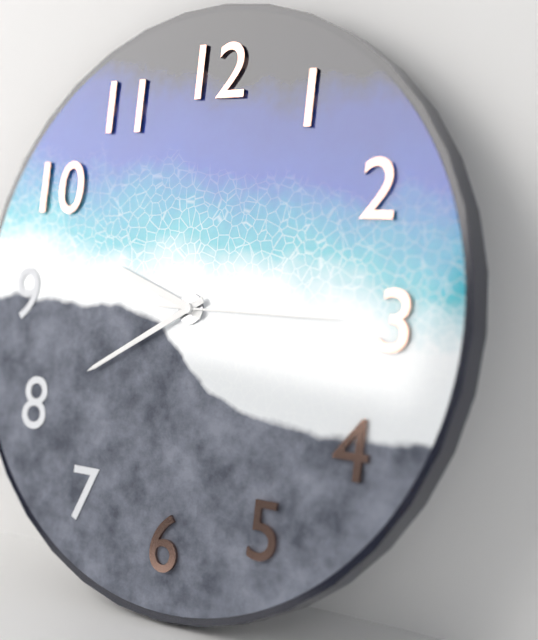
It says 9.40.15
